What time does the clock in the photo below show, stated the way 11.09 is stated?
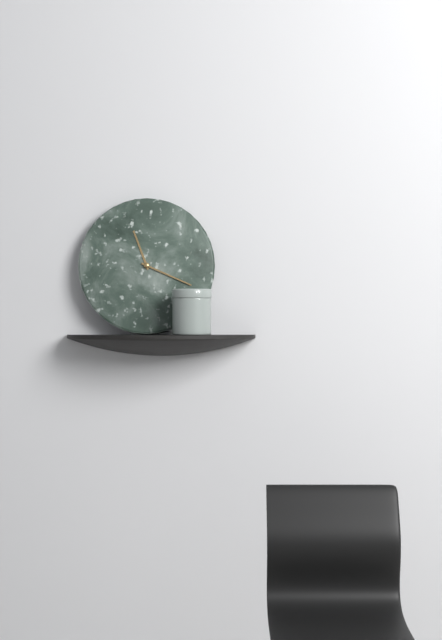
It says 11.19
